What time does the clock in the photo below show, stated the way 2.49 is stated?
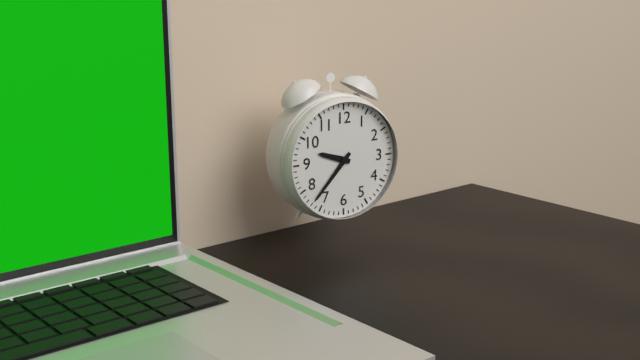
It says 9.37
